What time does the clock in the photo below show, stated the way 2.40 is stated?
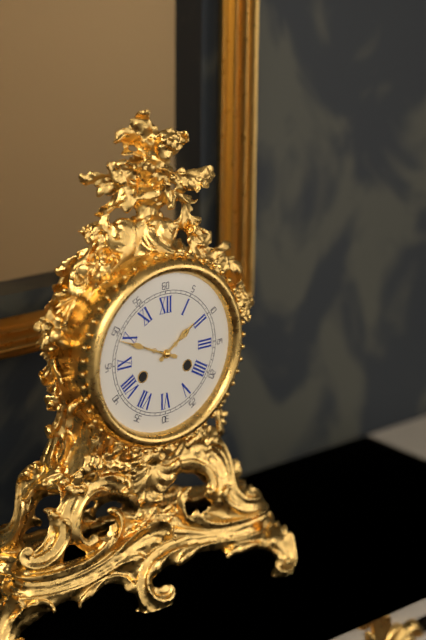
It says 1.49
